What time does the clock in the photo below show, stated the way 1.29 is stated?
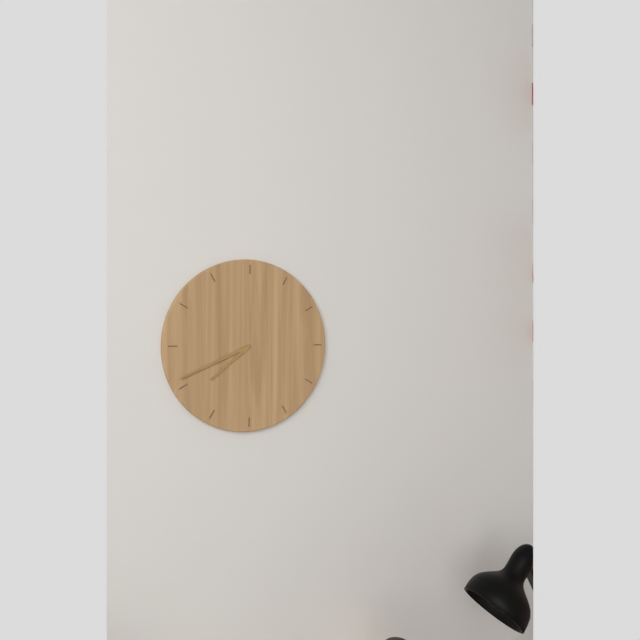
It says 7.41
